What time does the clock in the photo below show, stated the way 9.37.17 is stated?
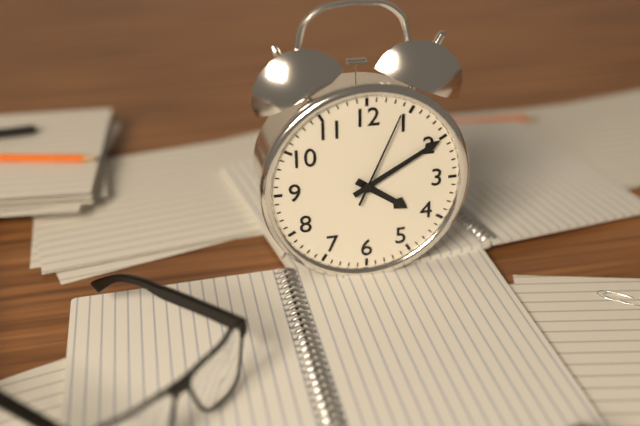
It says 4.10.04
